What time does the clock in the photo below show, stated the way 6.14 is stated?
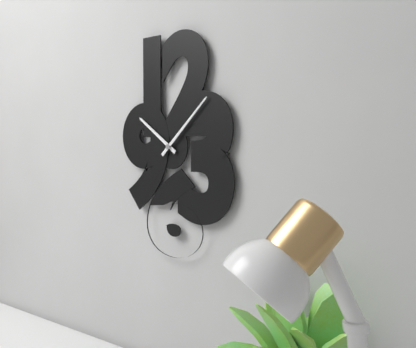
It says 10.08
